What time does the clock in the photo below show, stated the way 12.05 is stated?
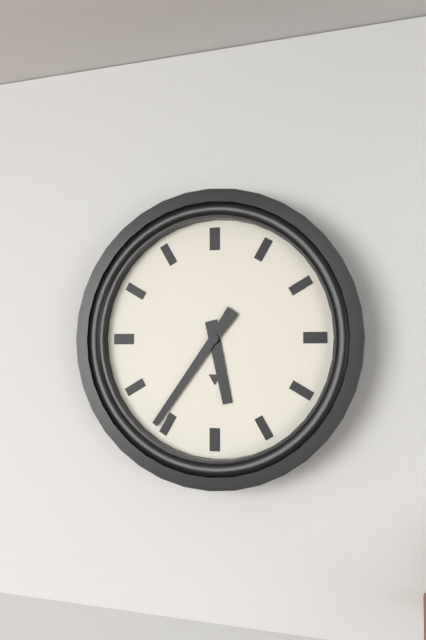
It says 5.36
